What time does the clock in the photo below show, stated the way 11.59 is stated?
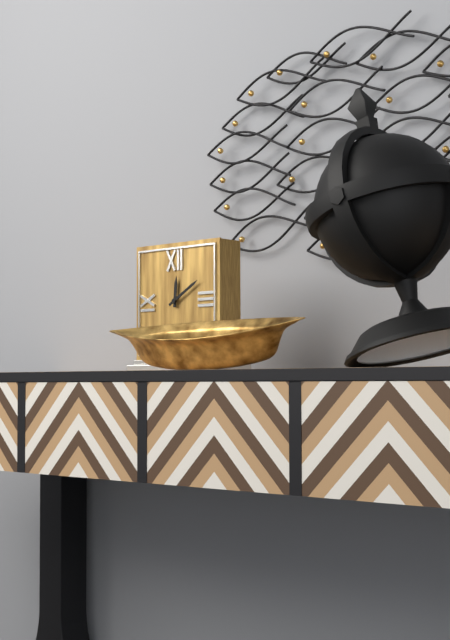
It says 12.10
